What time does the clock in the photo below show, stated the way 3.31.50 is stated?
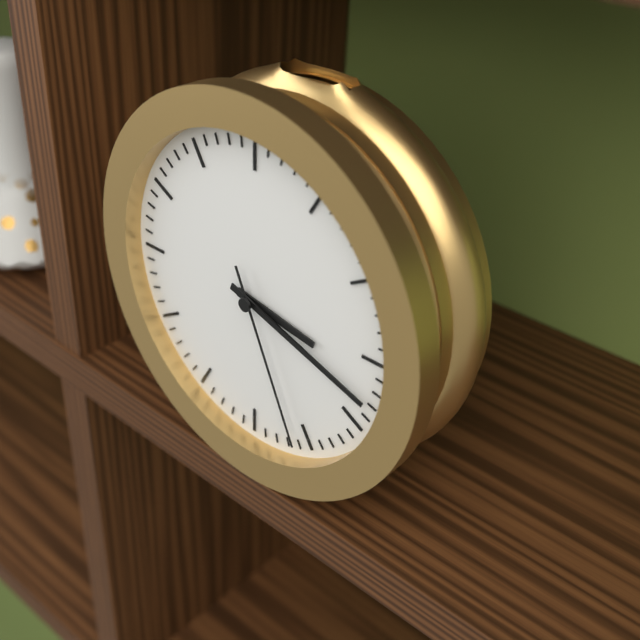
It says 3.18.26
